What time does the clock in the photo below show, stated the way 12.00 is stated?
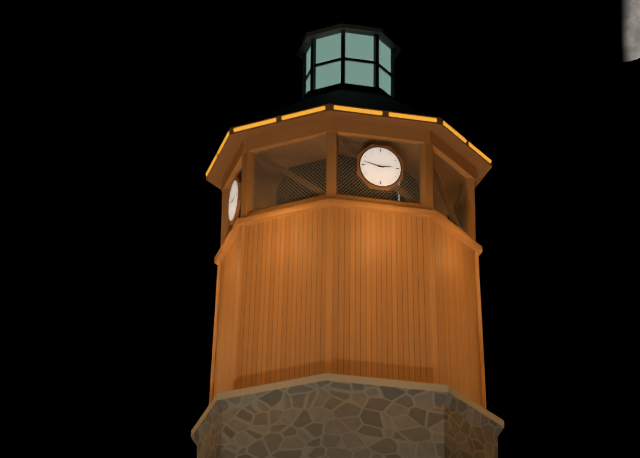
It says 2.47
